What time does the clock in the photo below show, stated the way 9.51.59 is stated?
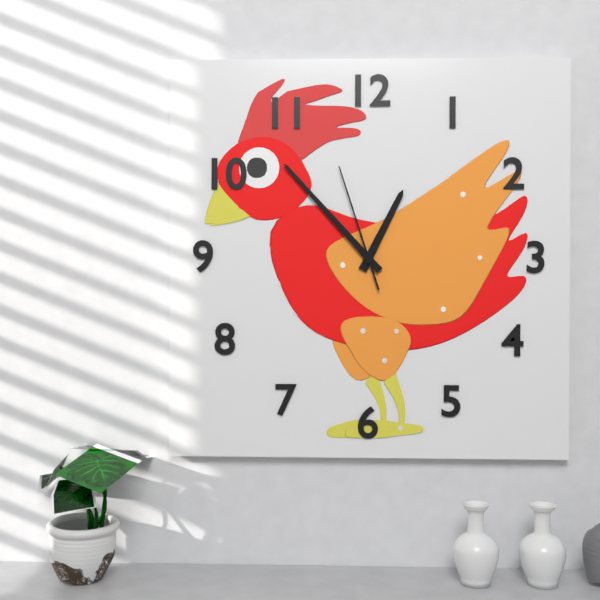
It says 12.53.57
